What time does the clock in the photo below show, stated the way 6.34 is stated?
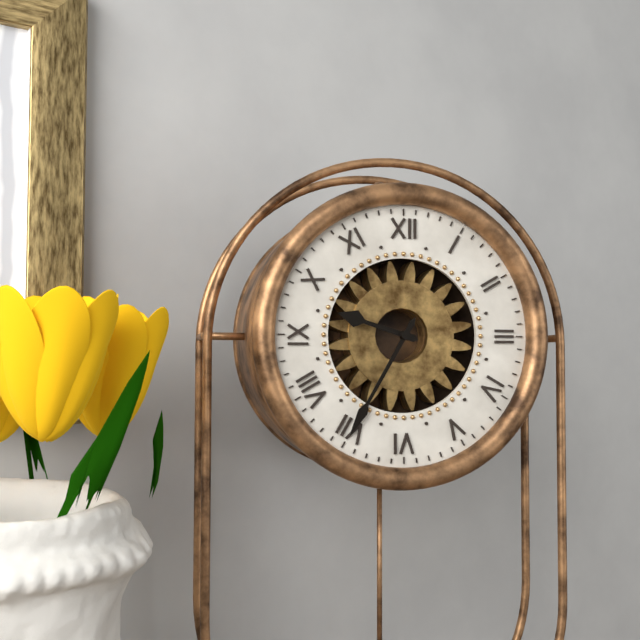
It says 9.35
